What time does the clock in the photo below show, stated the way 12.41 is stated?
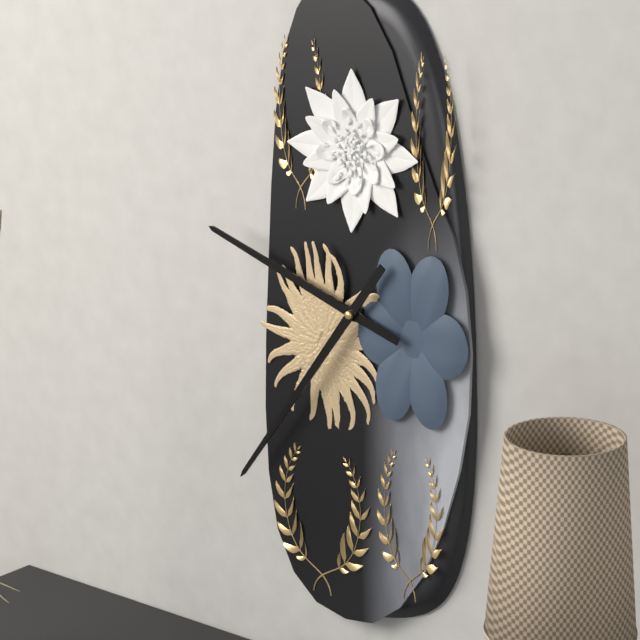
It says 9.36
